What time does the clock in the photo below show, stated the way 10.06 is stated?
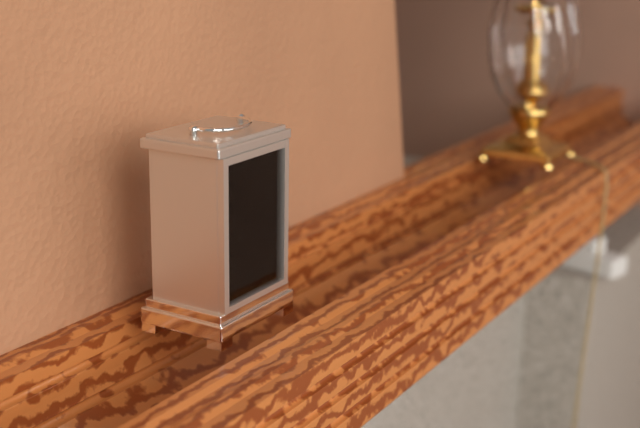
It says 12.03
